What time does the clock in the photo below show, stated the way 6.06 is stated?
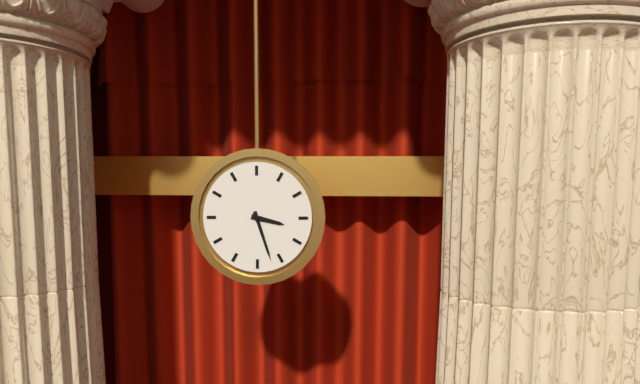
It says 3.27
